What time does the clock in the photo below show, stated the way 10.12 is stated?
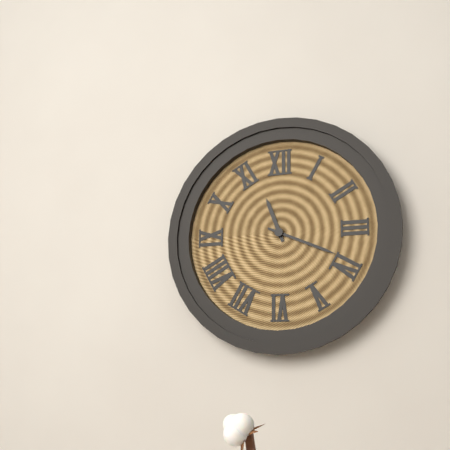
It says 11.19
